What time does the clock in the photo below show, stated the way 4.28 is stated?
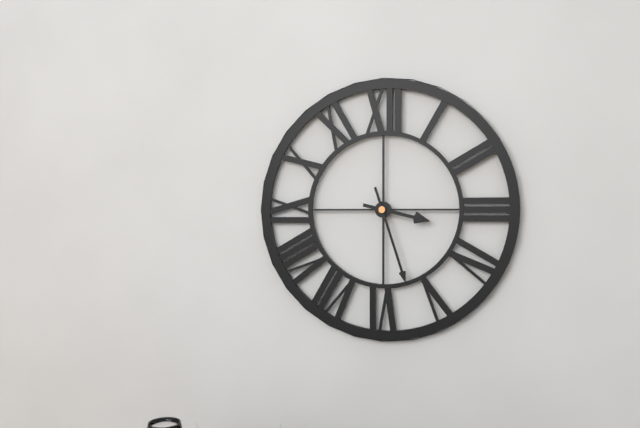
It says 3.27
